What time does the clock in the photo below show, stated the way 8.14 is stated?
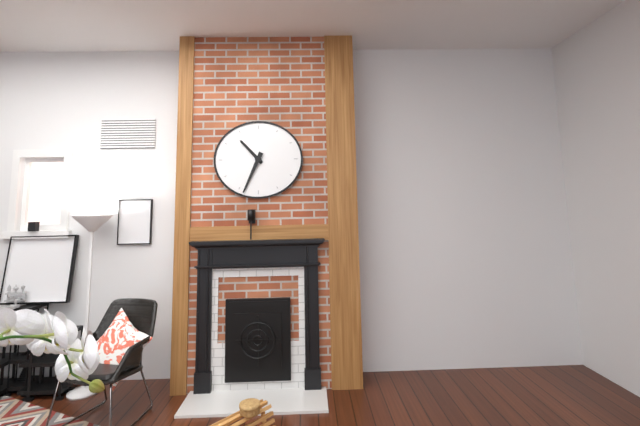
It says 10.34
